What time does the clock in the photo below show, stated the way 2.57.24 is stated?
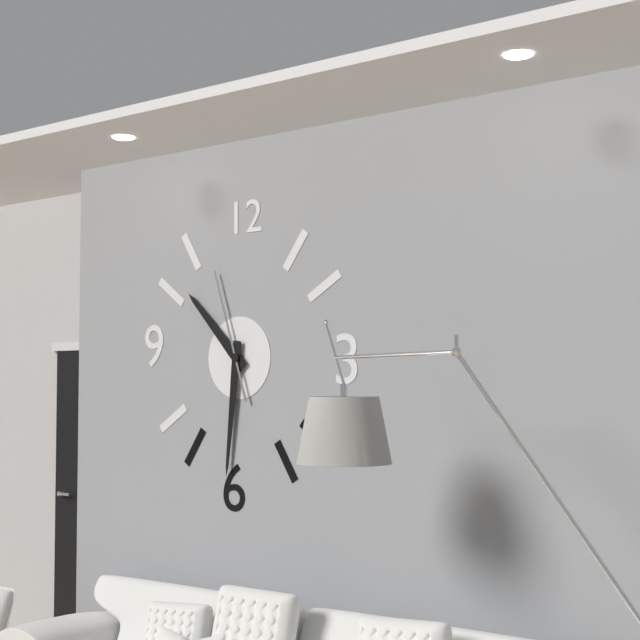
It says 10.31.57
